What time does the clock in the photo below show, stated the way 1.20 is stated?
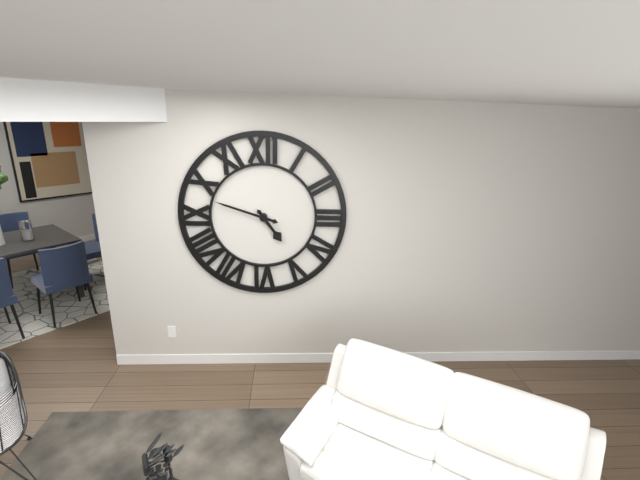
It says 4.48
